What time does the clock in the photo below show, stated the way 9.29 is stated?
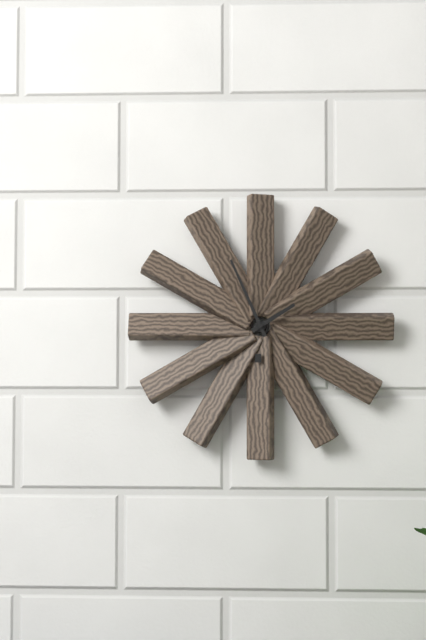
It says 1.56
